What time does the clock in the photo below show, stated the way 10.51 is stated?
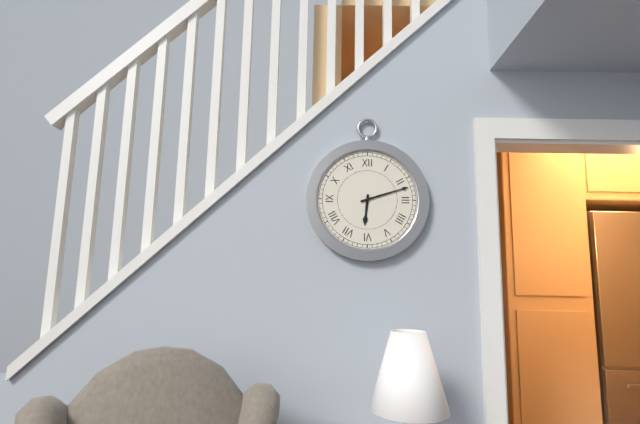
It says 6.12
